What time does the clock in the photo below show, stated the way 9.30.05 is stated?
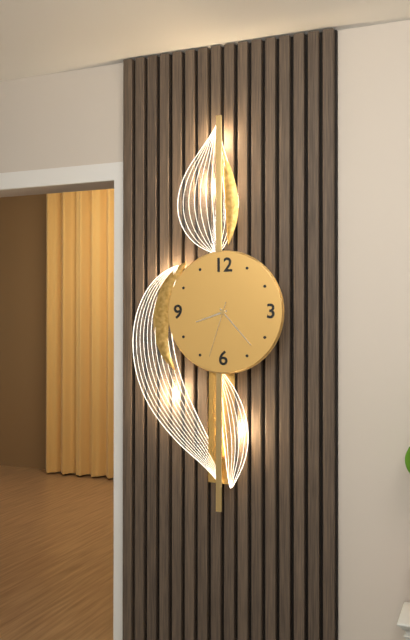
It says 8.23.33
